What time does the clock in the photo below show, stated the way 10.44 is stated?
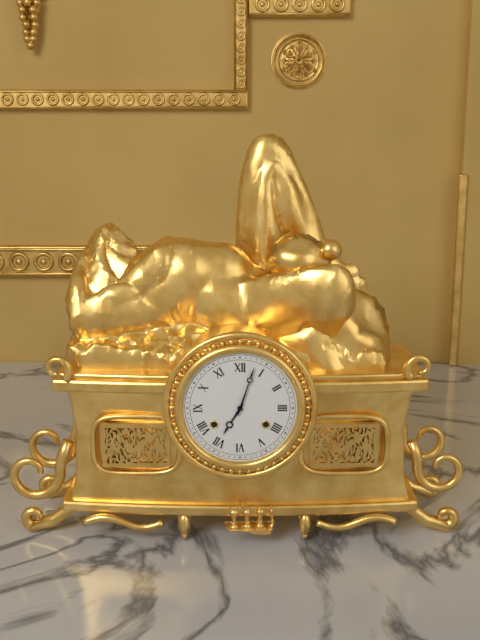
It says 7.03
